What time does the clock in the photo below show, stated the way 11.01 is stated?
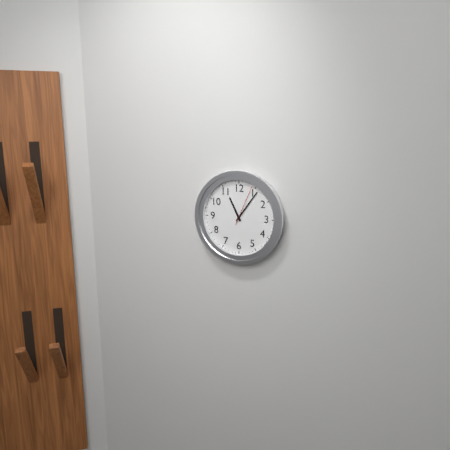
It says 11.06
